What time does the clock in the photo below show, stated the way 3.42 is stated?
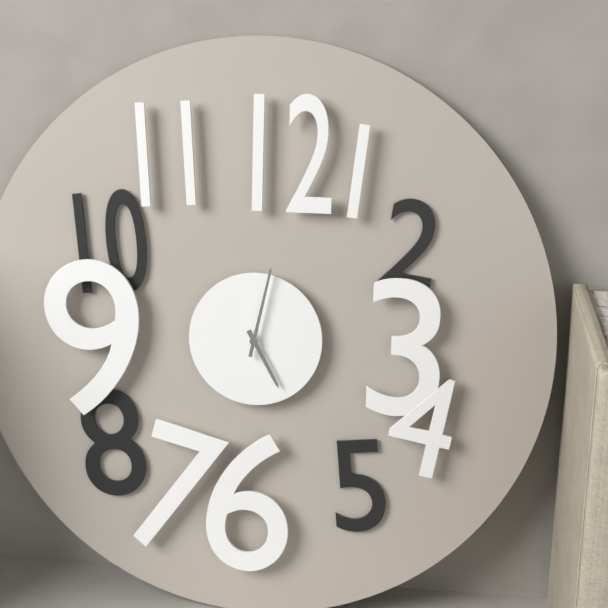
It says 5.02
